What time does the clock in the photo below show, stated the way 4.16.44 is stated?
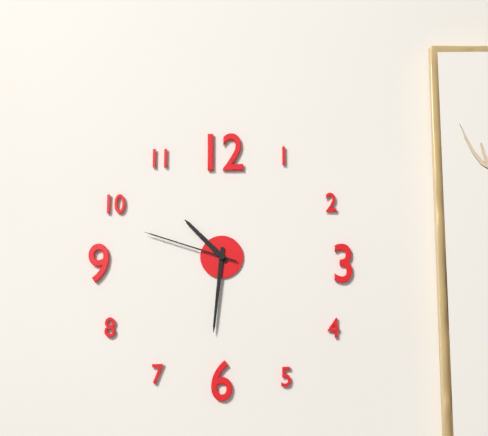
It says 10.31.48
